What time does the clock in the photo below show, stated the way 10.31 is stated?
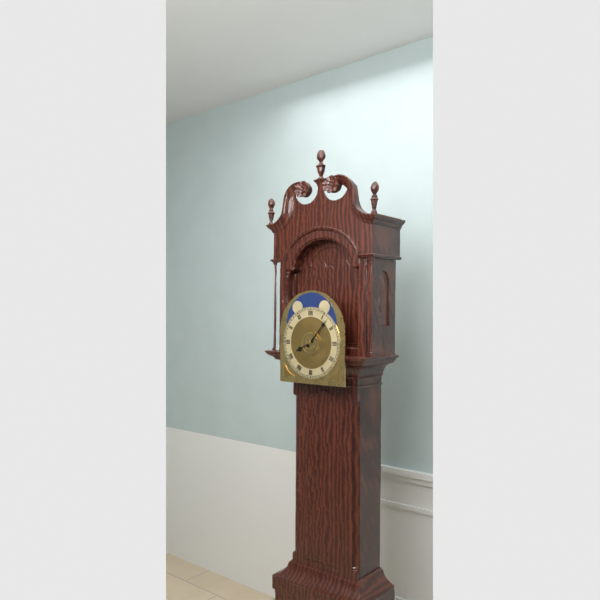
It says 8.07
